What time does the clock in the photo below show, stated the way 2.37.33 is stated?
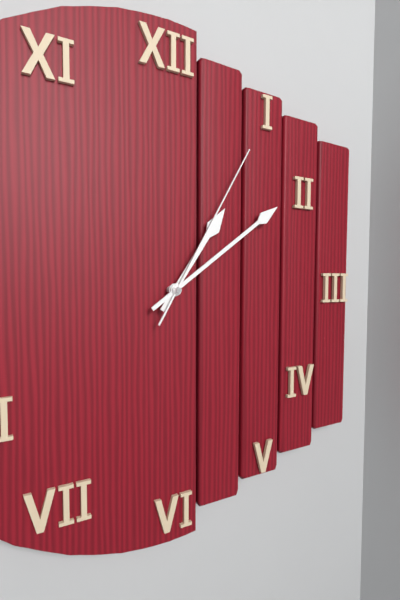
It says 1.09.05
